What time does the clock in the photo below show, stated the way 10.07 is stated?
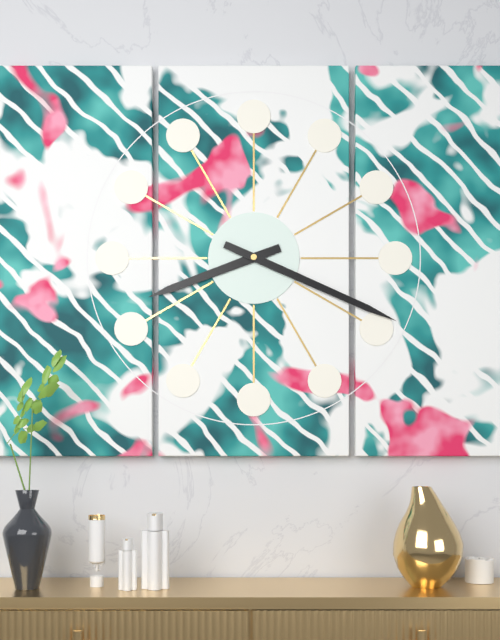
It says 8.19
